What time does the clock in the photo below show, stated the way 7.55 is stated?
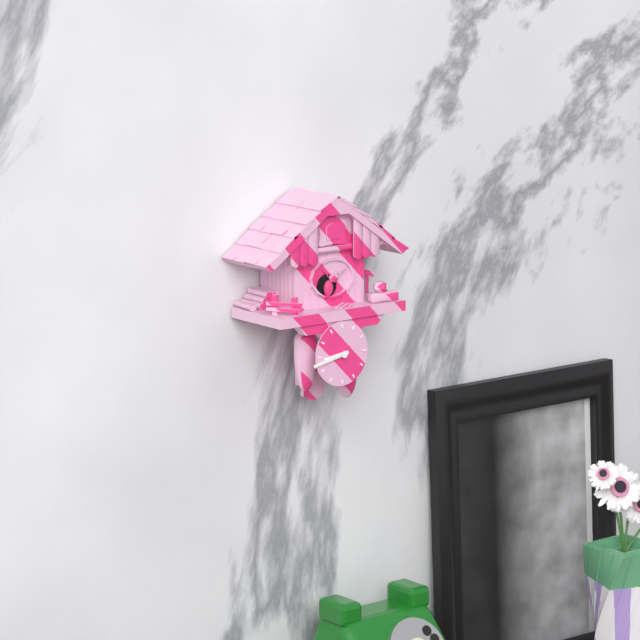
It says 8.43
